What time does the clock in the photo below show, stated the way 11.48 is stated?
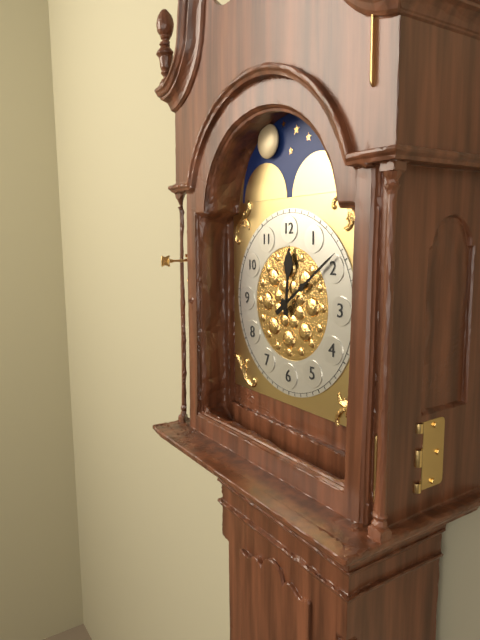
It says 12.09
